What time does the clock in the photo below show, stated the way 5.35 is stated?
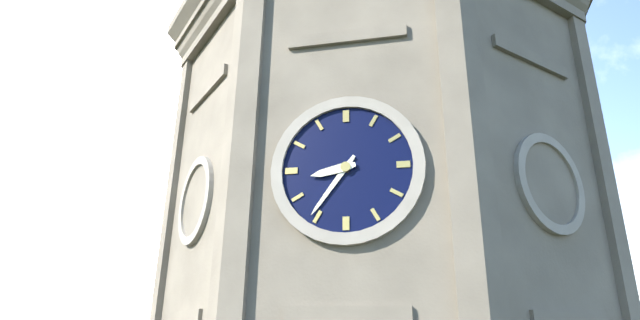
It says 8.36
